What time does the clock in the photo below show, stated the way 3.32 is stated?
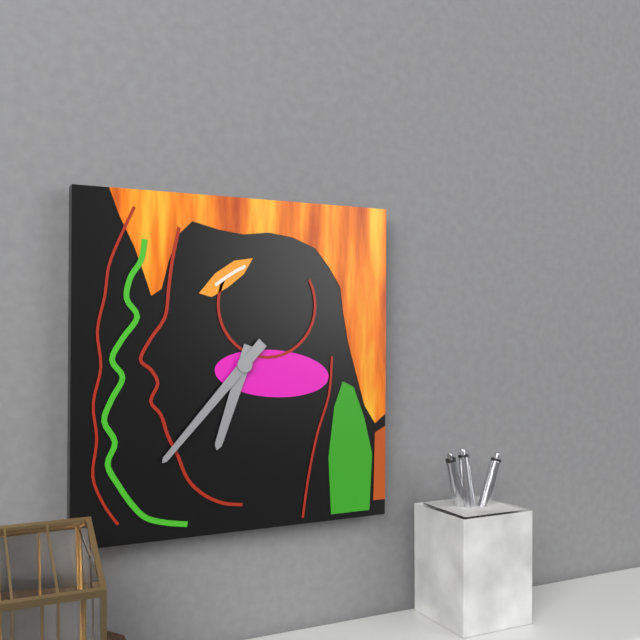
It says 6.37
